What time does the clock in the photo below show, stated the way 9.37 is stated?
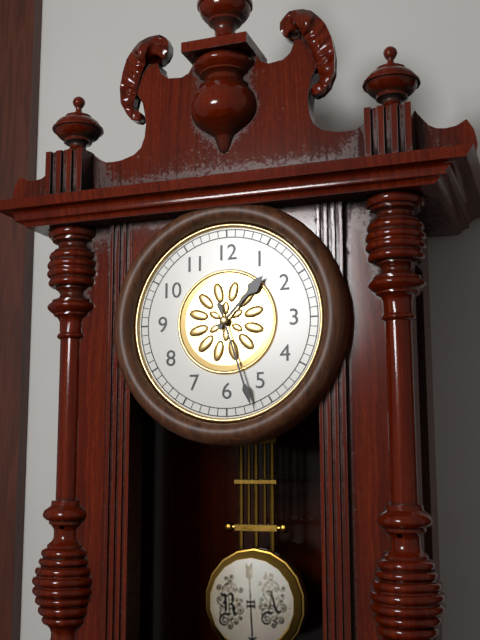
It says 1.27
